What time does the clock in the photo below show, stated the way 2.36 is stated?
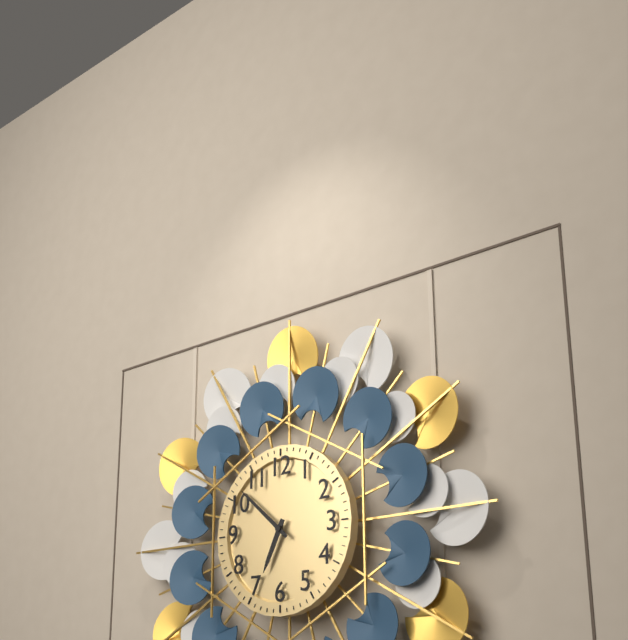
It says 6.52
